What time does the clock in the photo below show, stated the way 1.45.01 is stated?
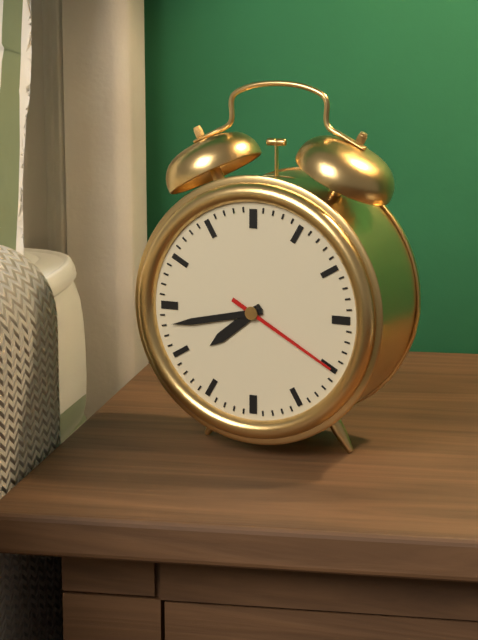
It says 7.43.20
